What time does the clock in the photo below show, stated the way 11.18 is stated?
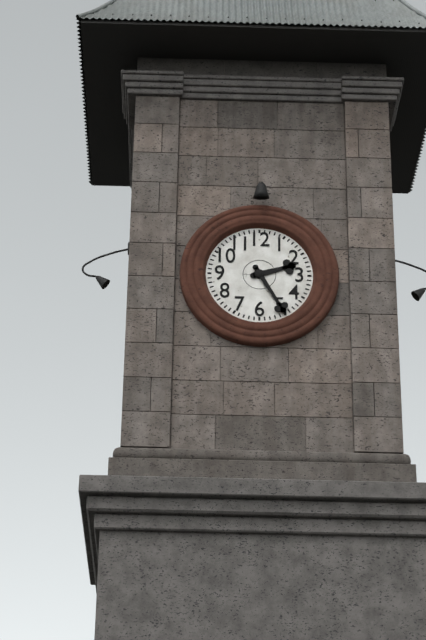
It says 2.25
